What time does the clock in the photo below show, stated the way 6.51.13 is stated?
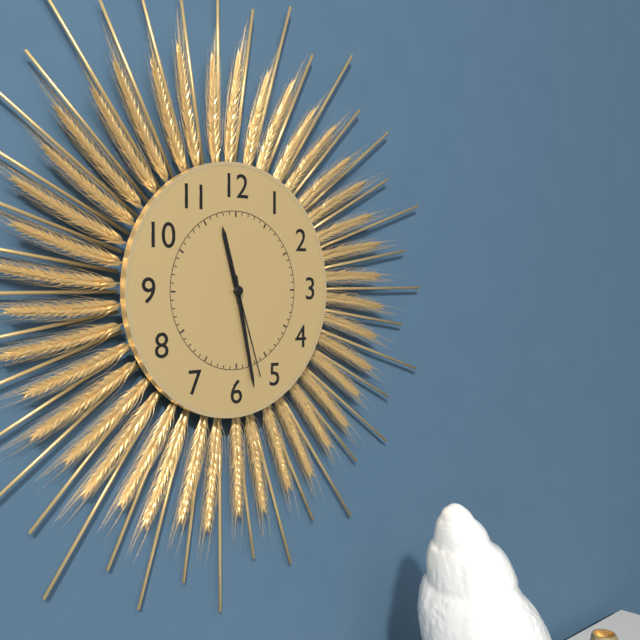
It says 11.28.27
